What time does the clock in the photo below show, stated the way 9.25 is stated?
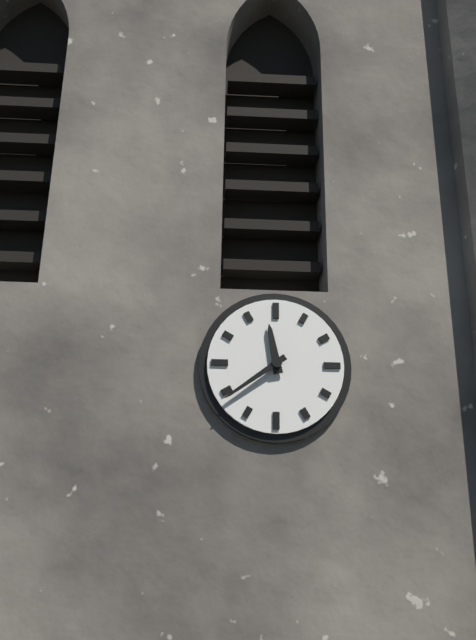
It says 11.39
